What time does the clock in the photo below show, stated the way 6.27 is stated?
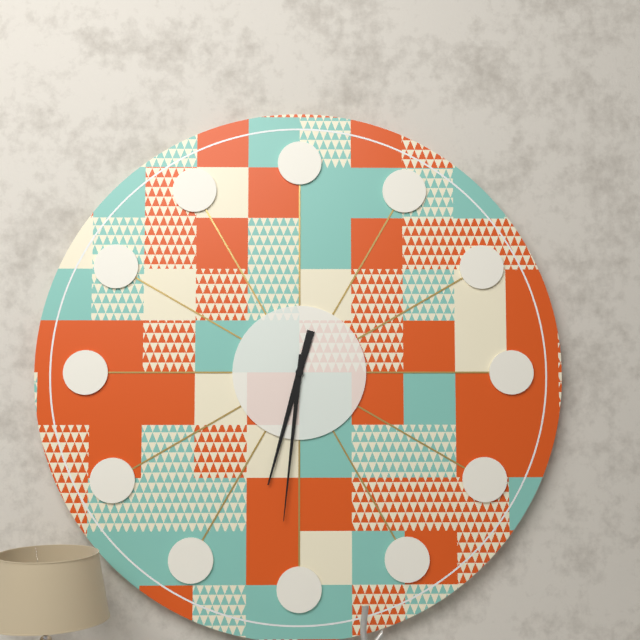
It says 6.31
